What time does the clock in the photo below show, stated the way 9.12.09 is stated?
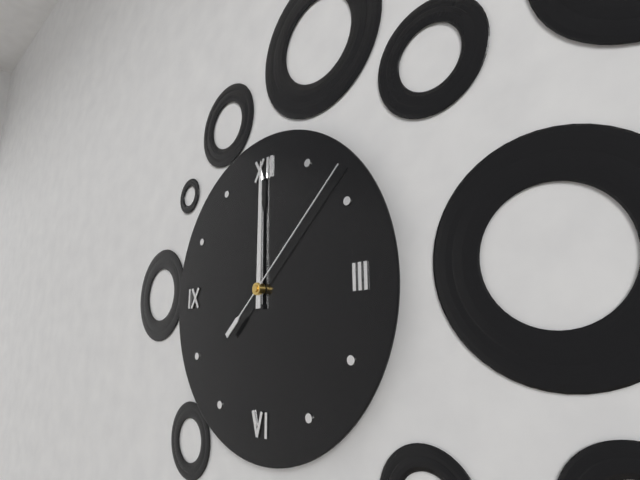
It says 12.00.08
